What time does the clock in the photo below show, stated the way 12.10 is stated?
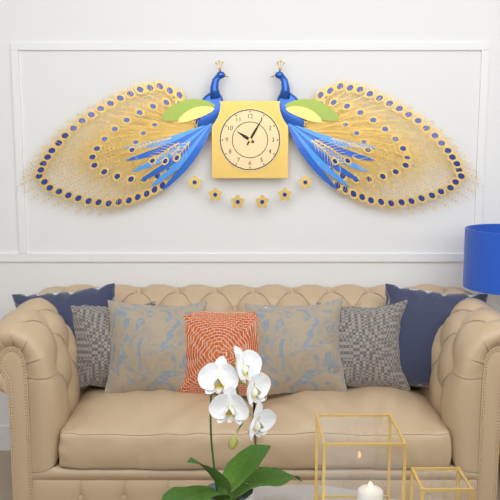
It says 10.05
